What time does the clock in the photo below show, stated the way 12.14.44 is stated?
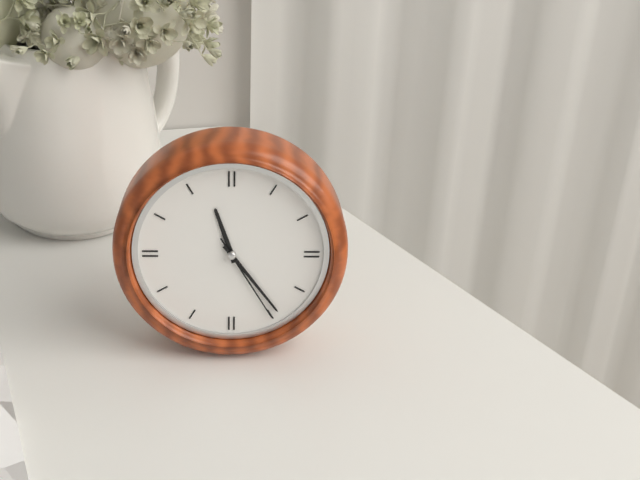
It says 11.24.25
